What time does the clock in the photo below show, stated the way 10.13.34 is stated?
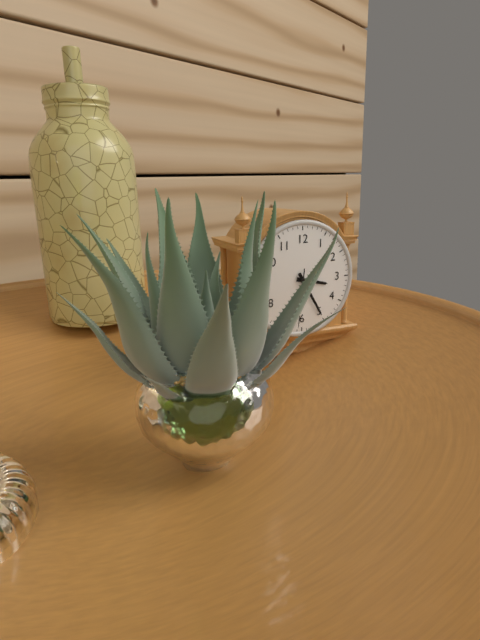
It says 3.25.31
